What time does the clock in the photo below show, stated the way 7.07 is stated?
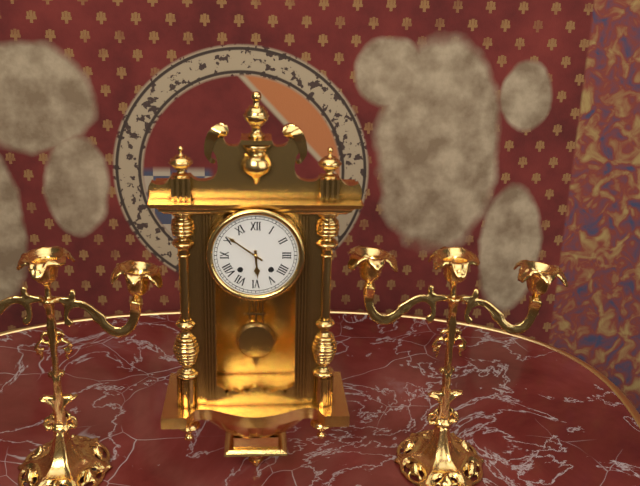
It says 5.51
